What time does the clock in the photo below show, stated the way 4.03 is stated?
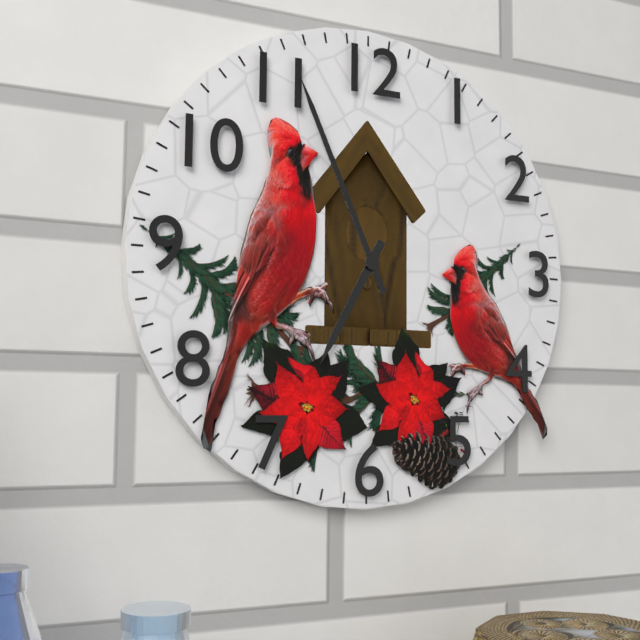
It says 6.56
